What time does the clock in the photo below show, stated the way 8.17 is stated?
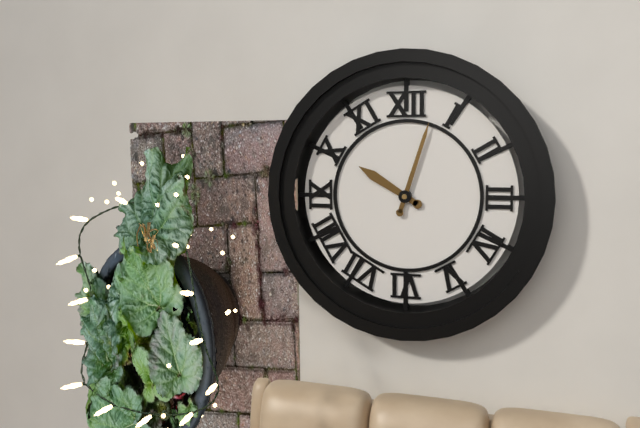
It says 10.03
